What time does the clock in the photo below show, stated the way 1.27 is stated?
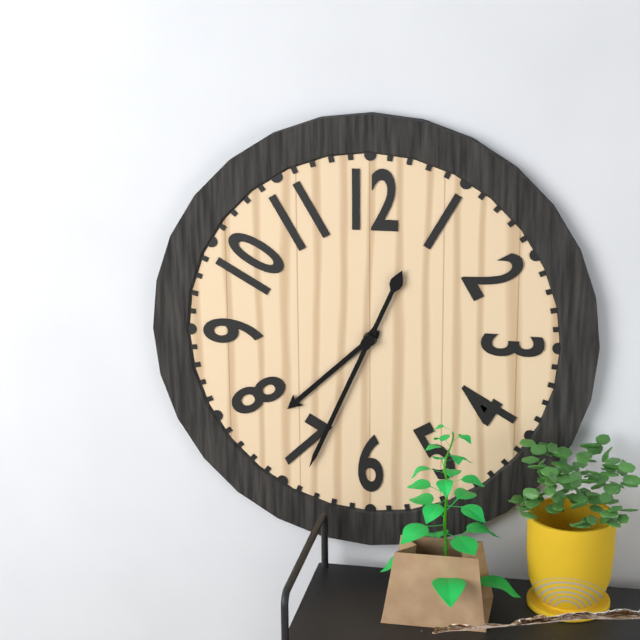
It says 7.34
